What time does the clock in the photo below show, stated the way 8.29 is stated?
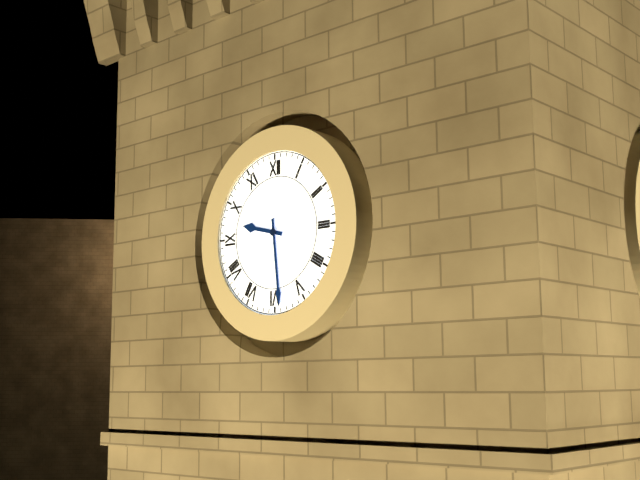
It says 9.29
